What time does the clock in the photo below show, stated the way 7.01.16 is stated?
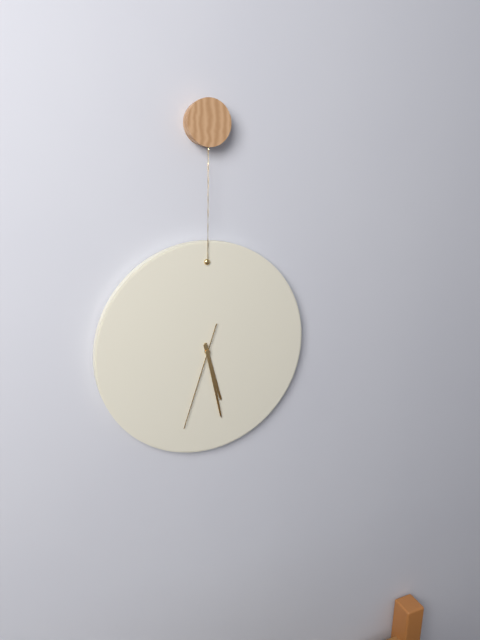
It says 5.28.33
